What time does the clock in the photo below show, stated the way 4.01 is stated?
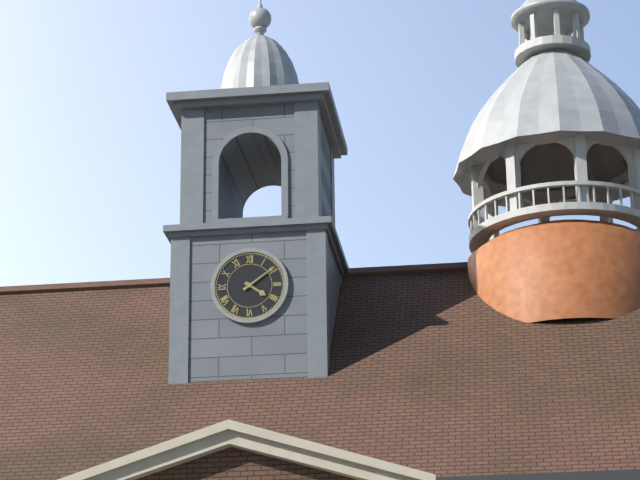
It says 4.09
